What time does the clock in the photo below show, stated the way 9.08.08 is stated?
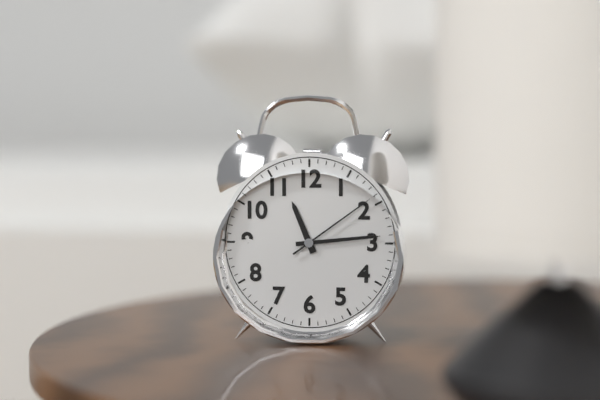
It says 11.14.09
